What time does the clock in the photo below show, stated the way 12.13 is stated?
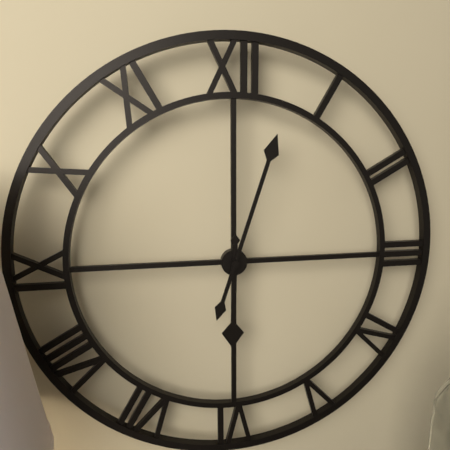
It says 6.03
